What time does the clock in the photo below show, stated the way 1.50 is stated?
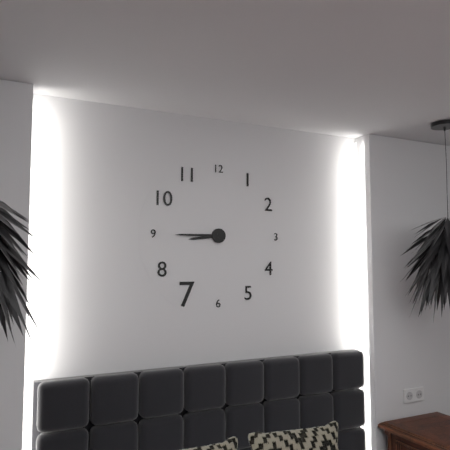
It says 8.45
